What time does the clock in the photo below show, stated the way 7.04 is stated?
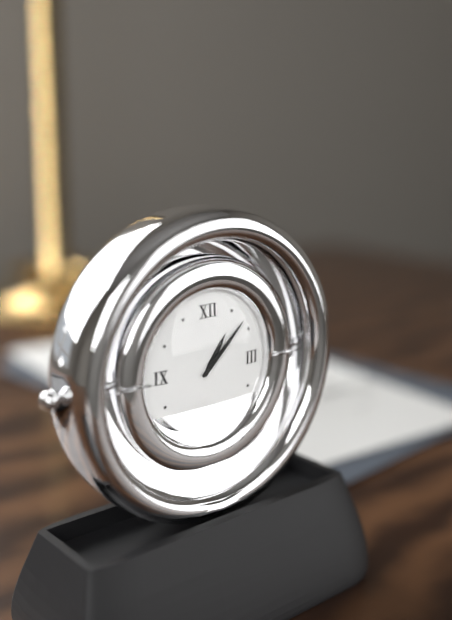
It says 1.08
